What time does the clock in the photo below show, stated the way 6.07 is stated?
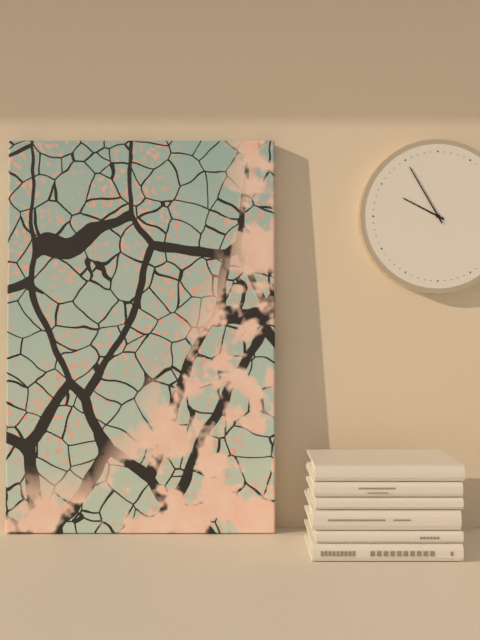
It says 9.55
